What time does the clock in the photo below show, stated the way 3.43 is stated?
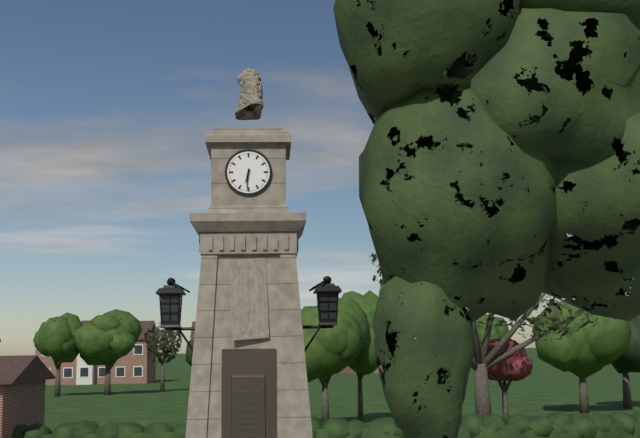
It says 6.31
